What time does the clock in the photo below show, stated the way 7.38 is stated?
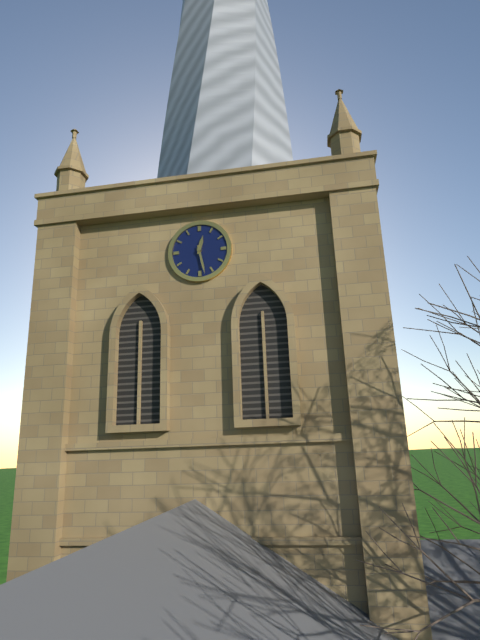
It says 12.28
